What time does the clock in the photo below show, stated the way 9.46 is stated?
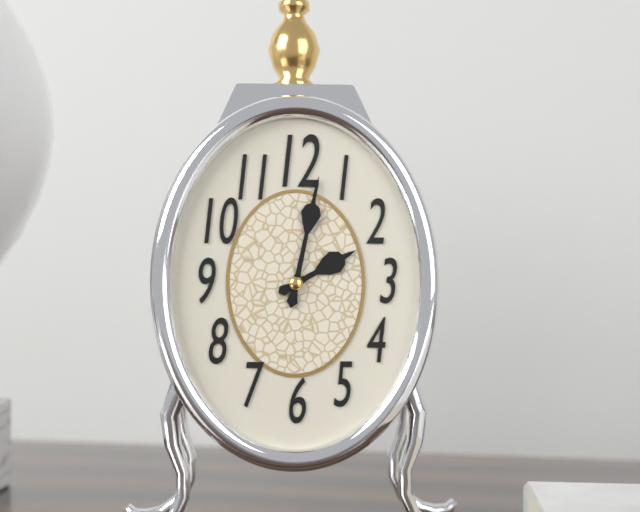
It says 2.02
